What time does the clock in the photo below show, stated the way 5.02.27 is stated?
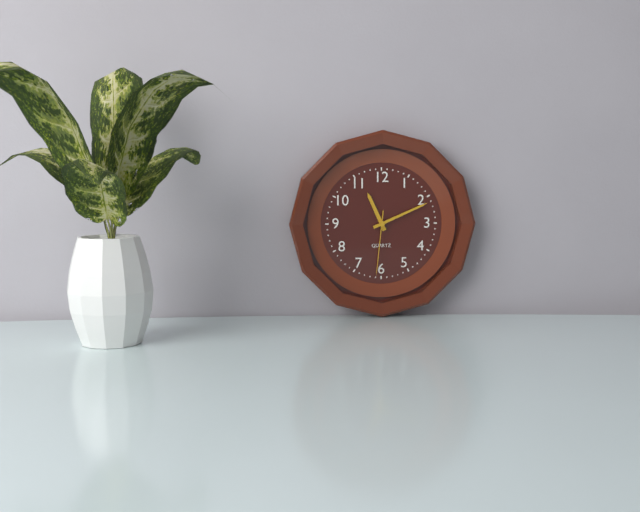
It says 11.11.31
